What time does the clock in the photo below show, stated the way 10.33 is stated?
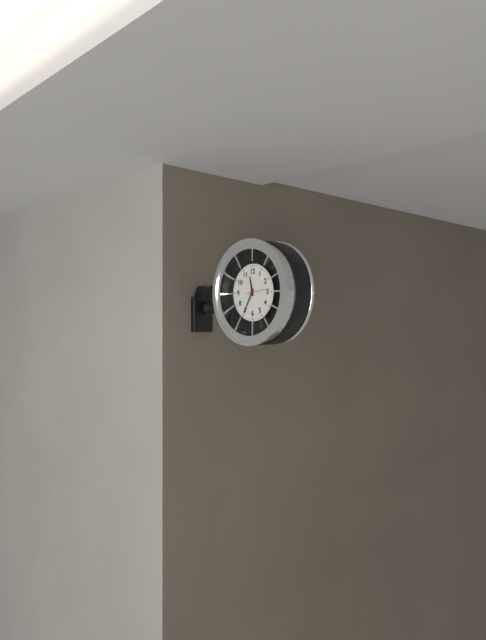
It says 11.35
